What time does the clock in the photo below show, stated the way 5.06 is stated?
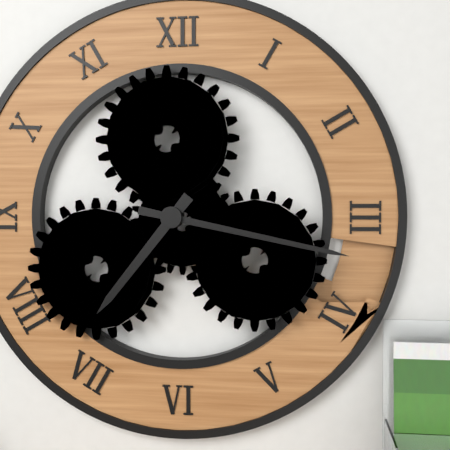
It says 7.17
